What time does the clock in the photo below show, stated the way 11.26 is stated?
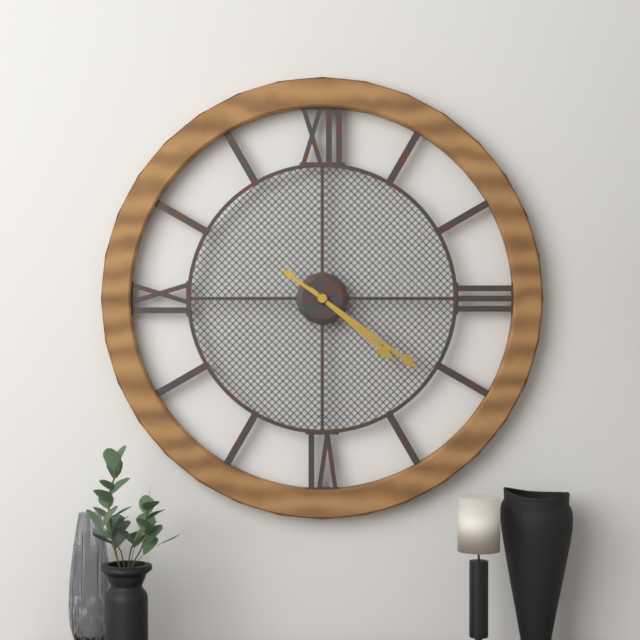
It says 4.21
